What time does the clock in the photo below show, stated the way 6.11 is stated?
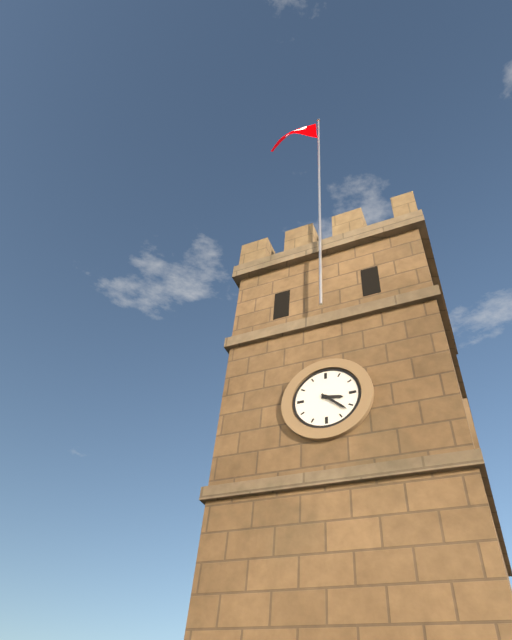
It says 3.22
